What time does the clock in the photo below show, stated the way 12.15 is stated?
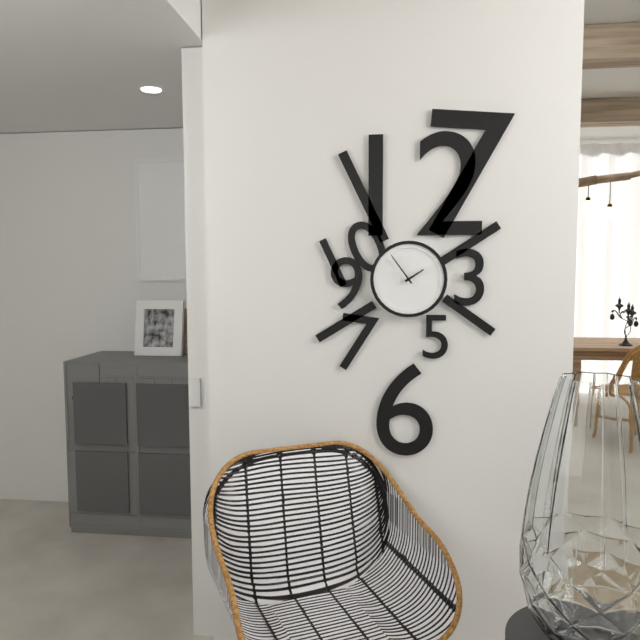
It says 1.54
